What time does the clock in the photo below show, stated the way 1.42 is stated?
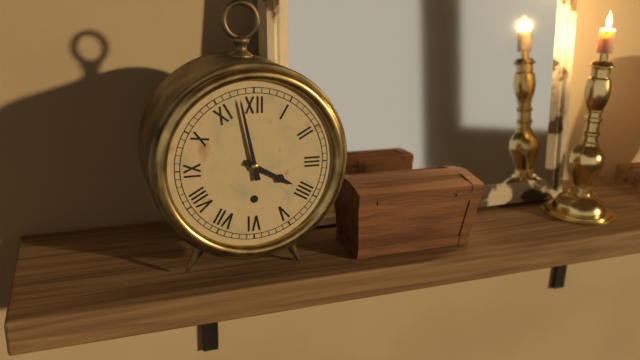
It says 3.58
